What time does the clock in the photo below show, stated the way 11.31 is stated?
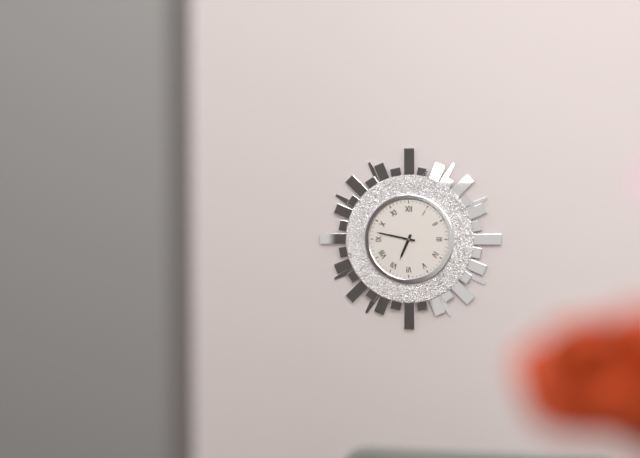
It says 6.47
